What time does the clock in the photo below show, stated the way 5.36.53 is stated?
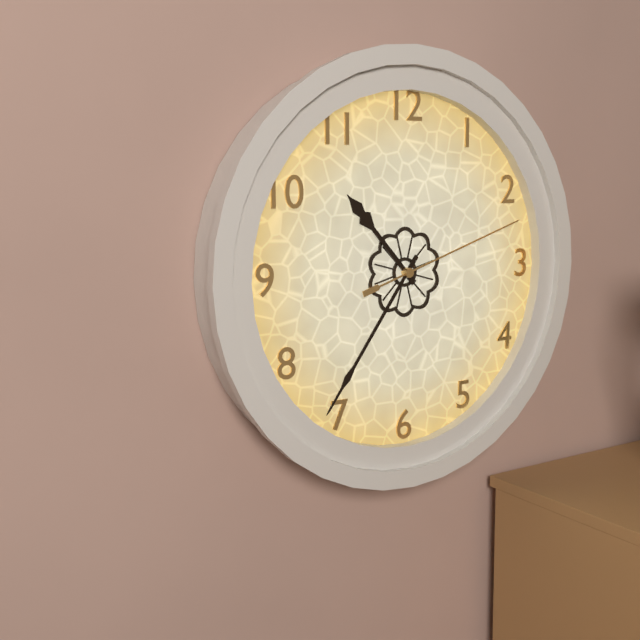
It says 10.36.12
